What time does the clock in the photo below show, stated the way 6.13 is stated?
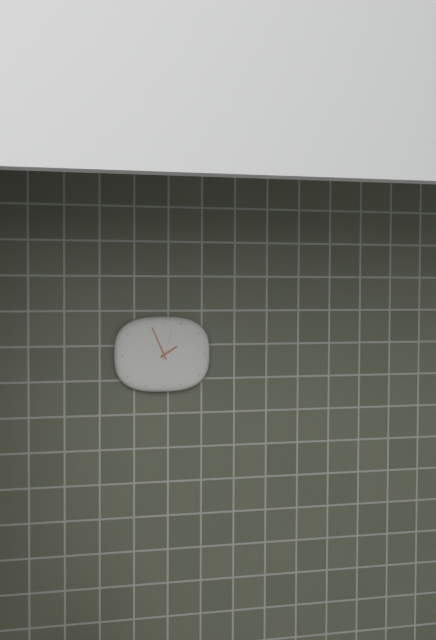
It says 1.56
